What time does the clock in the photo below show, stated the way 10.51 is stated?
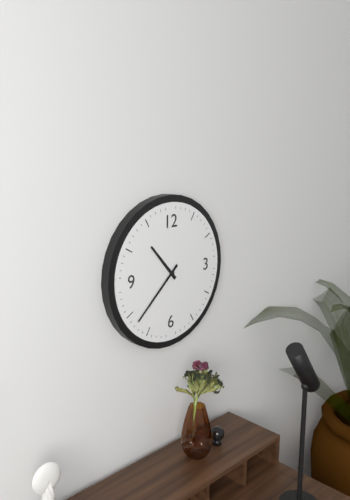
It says 10.38
